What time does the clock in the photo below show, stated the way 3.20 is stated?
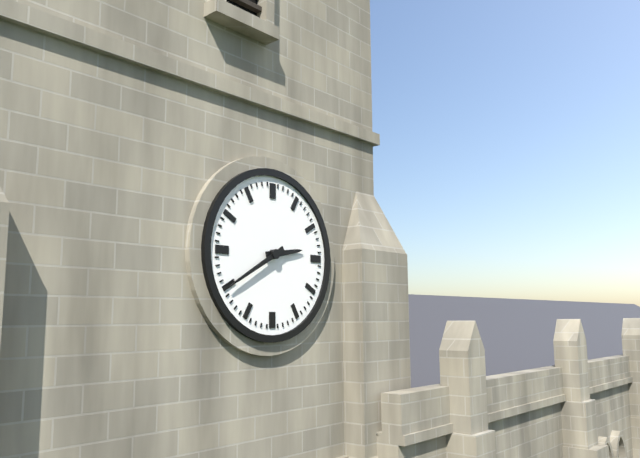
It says 2.40
